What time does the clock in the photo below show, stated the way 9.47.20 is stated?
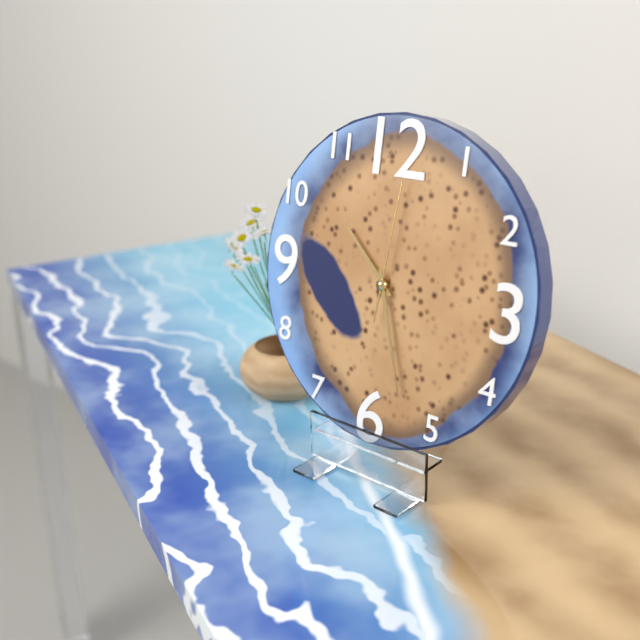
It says 10.27.01
